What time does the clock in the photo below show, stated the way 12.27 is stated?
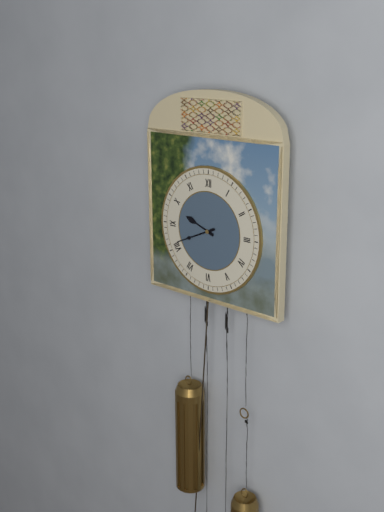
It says 9.41
